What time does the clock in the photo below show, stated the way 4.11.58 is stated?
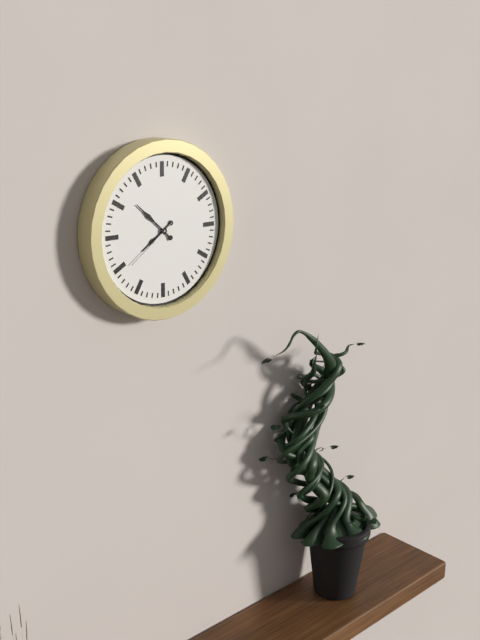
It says 7.52.39
